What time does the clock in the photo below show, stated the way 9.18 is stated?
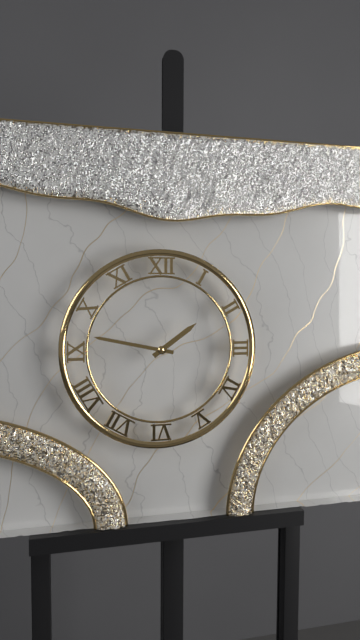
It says 1.47
